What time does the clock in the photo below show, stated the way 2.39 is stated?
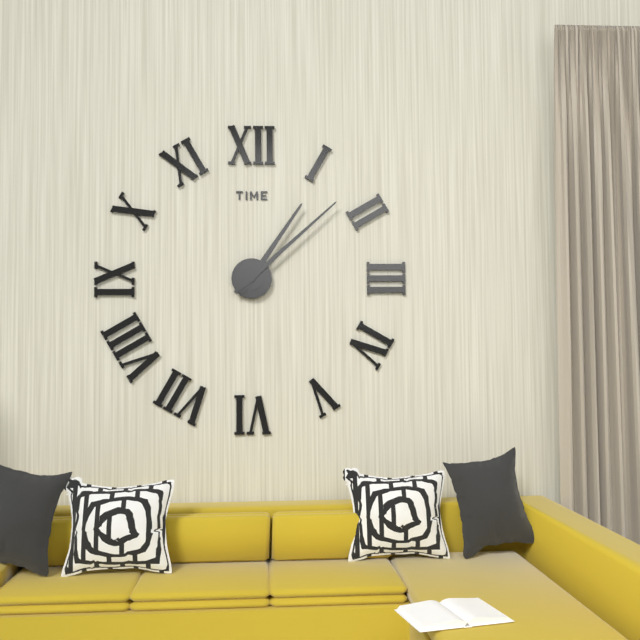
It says 1.08
